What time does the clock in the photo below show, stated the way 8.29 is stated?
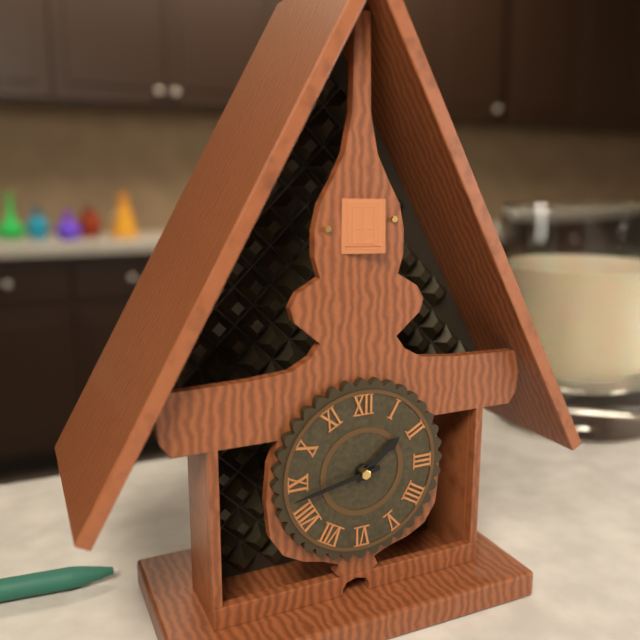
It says 1.43
